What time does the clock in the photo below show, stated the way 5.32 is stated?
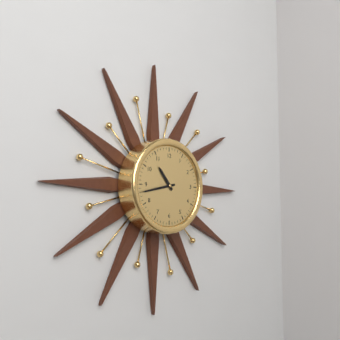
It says 10.43
